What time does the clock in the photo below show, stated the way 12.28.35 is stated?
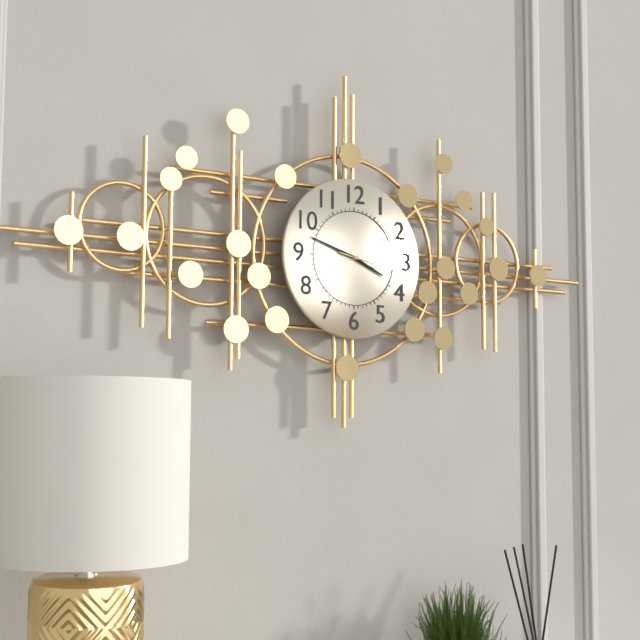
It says 3.48.17
